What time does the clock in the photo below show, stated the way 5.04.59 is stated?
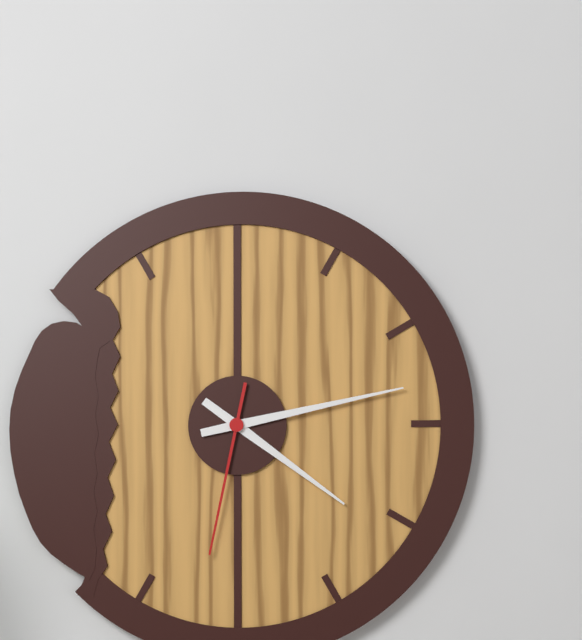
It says 4.13.32
